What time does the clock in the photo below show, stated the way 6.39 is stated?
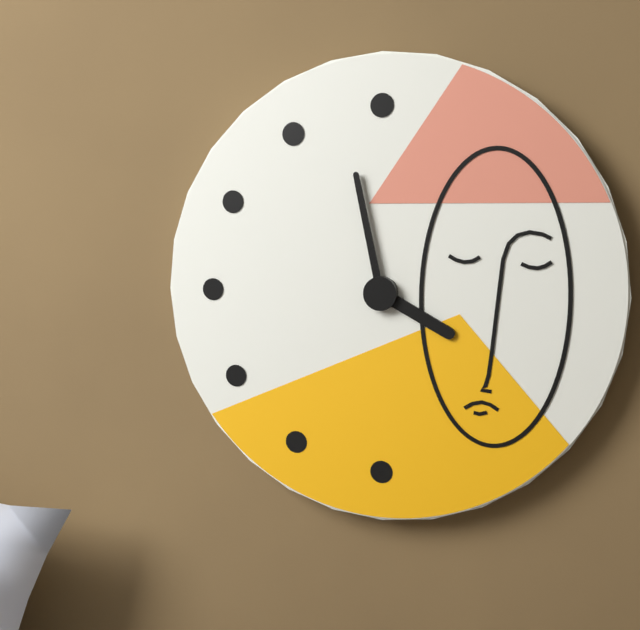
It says 3.58
